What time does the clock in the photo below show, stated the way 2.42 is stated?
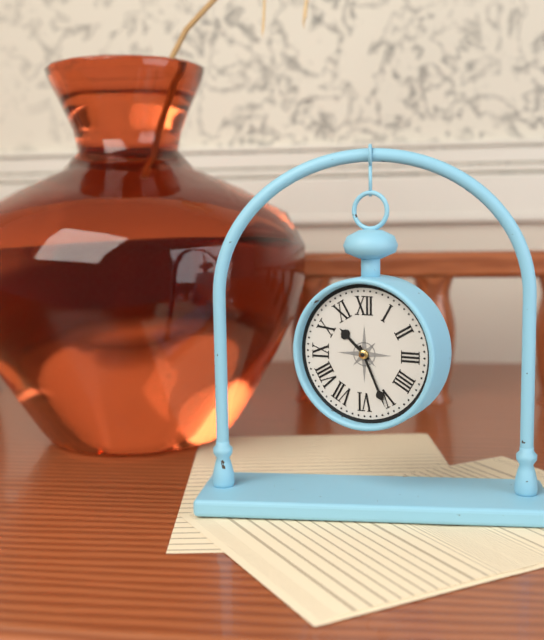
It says 10.26
